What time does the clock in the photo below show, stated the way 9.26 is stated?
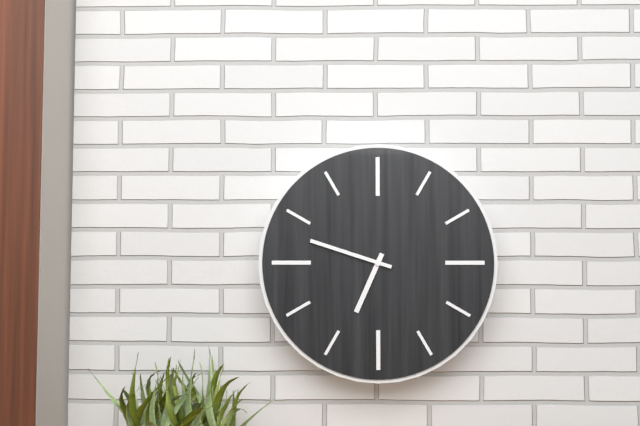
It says 6.48
